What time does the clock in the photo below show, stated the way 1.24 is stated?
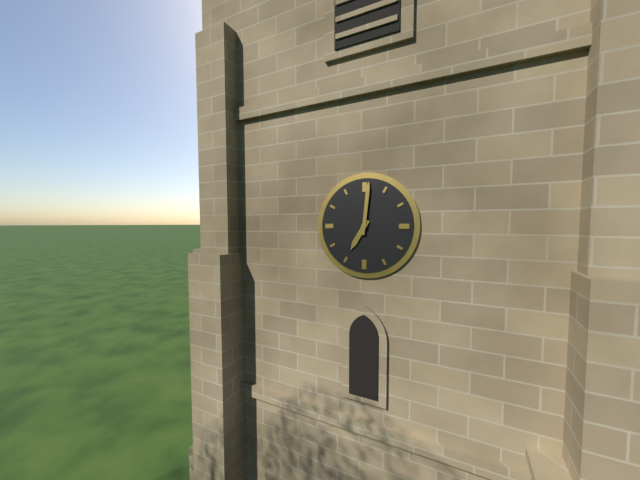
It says 7.01
